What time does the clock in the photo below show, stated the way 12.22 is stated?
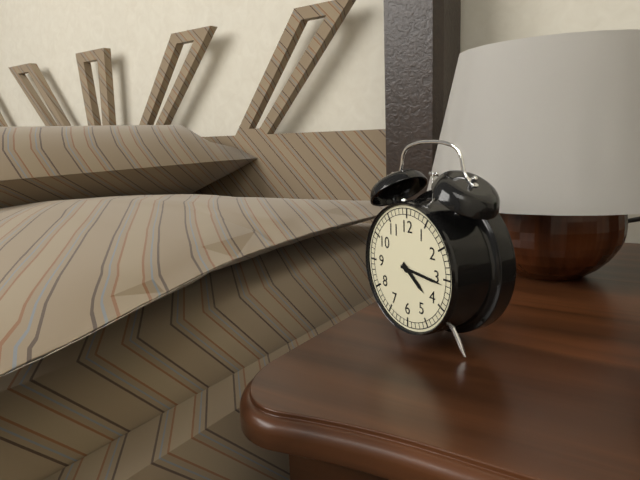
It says 4.16
